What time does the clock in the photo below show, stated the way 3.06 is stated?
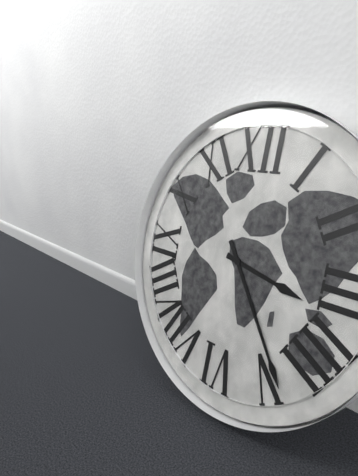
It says 3.24
